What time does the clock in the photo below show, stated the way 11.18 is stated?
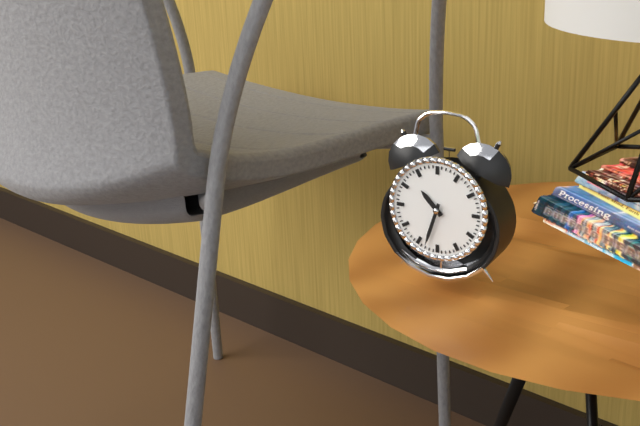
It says 10.33
